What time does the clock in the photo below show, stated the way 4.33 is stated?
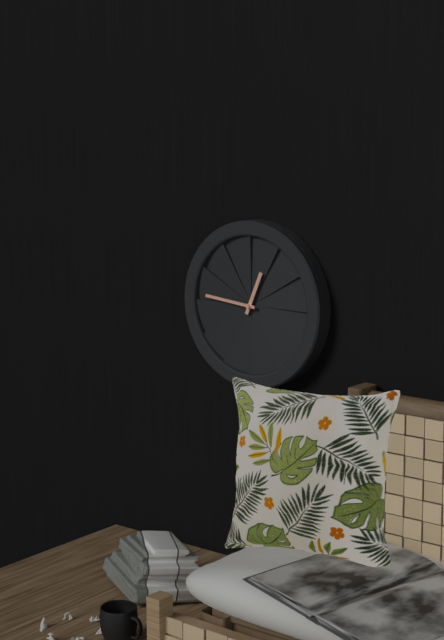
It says 12.46
